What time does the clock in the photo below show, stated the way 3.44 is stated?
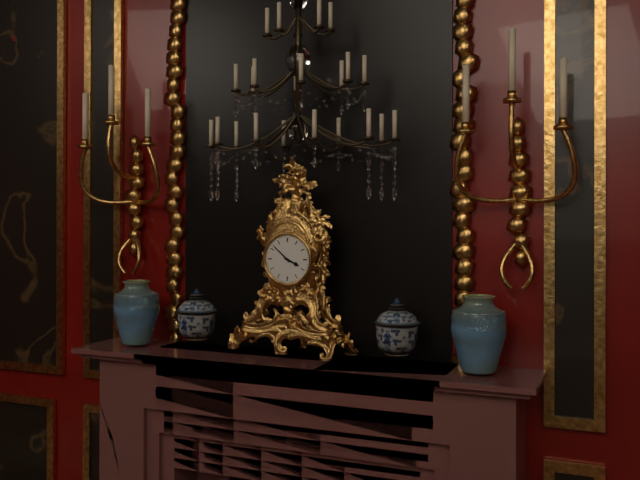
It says 3.52
